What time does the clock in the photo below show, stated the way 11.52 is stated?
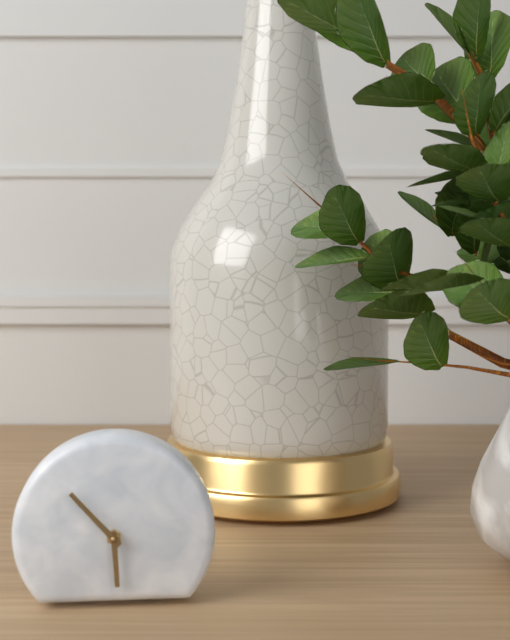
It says 5.53
